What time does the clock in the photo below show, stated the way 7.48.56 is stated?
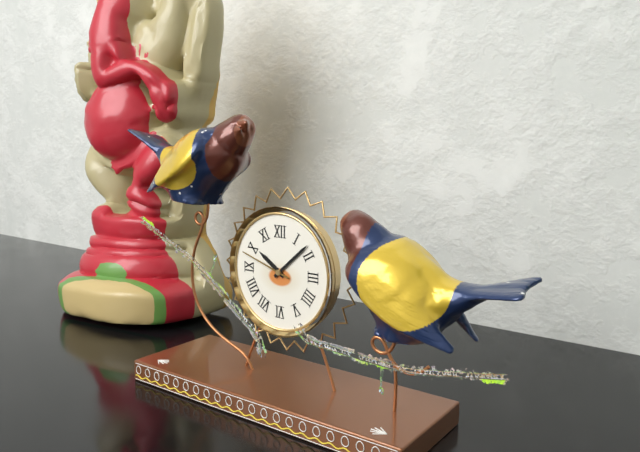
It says 10.08.48
